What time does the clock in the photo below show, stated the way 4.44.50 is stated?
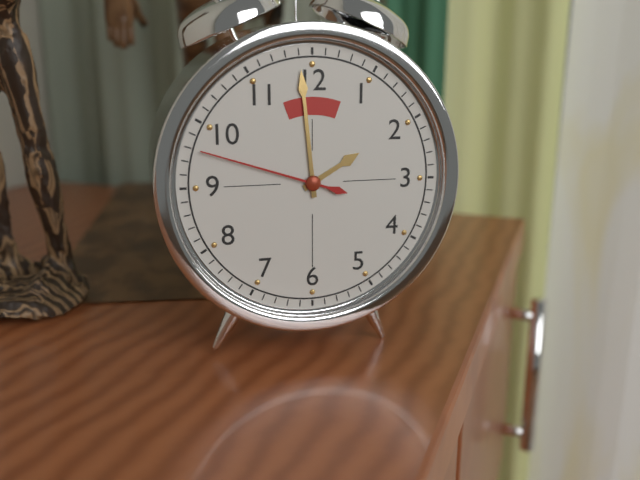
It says 1.59.48
